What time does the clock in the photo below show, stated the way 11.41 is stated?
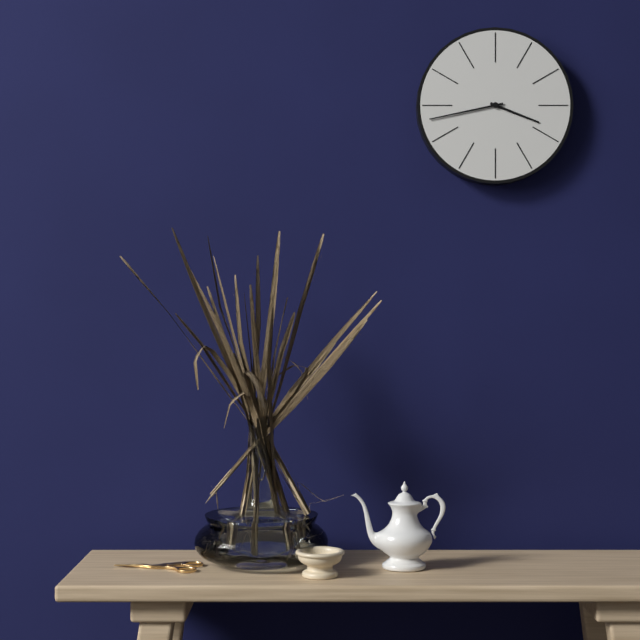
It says 3.43
